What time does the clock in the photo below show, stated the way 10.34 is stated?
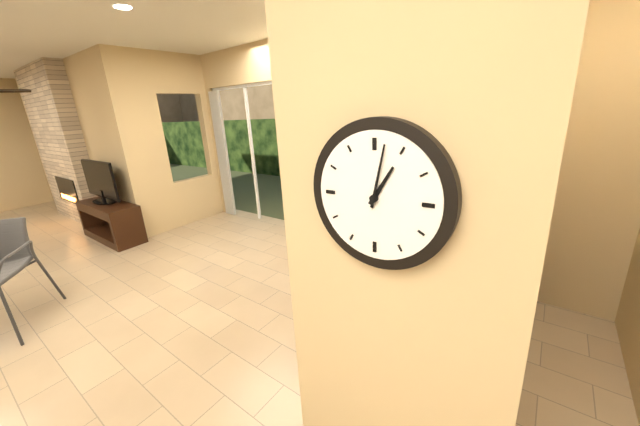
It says 1.02
